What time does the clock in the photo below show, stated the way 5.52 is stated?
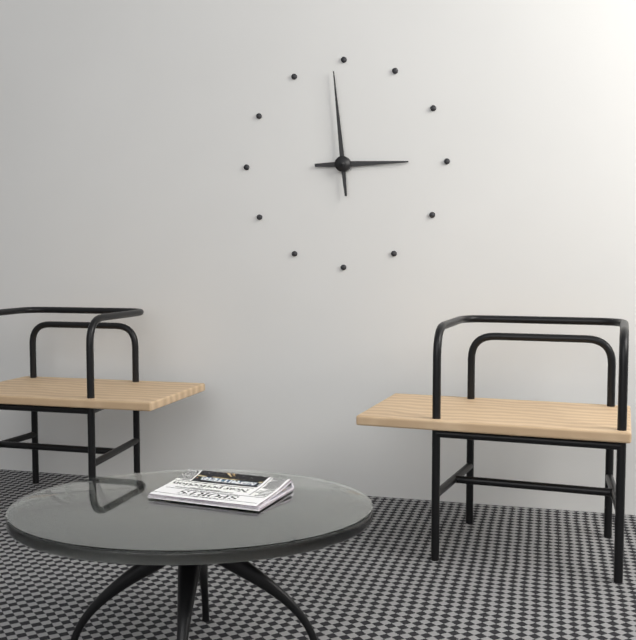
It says 2.59
